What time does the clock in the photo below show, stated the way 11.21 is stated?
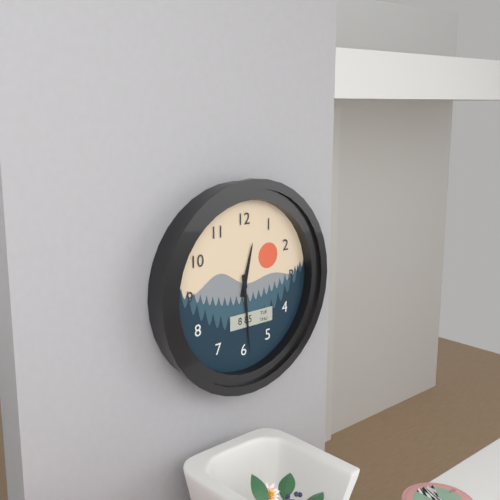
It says 12.29
